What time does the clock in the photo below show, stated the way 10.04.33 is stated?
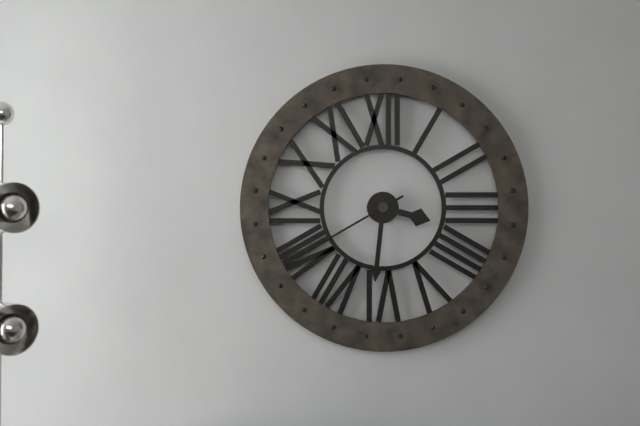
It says 3.31.40
